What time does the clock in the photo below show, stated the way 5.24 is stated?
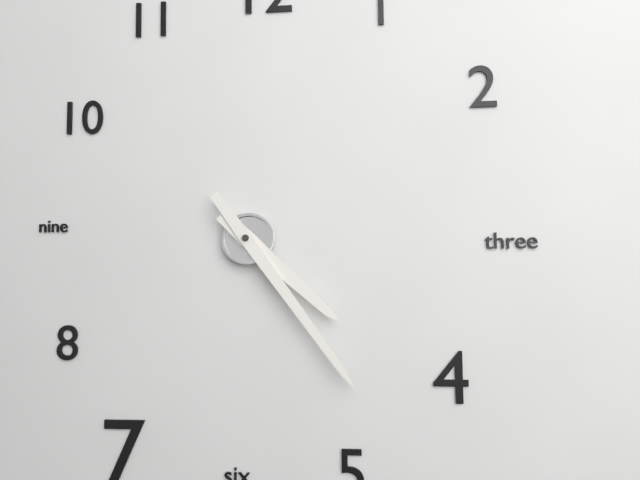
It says 4.24
